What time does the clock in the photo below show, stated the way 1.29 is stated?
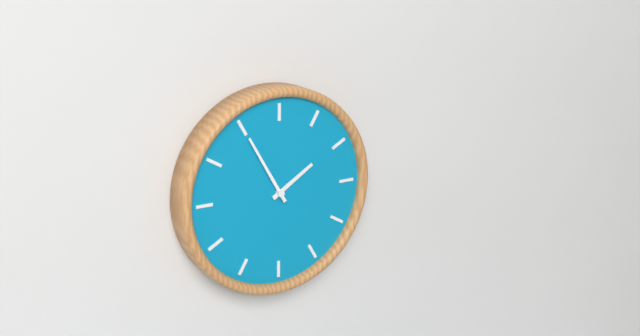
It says 1.55
